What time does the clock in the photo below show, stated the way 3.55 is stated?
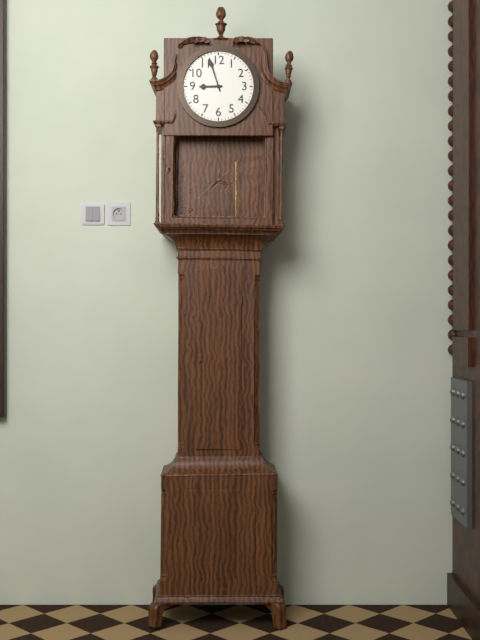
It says 8.57
